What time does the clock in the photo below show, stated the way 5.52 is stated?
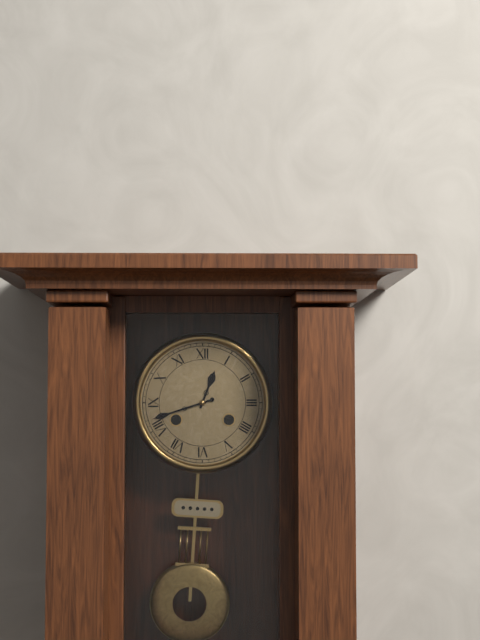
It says 12.42
